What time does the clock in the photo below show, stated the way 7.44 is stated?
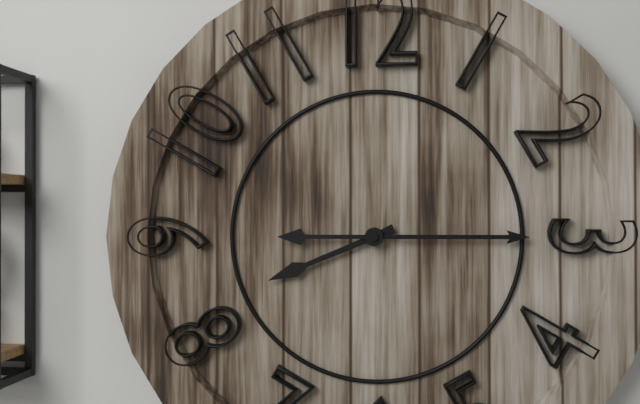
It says 8.15
